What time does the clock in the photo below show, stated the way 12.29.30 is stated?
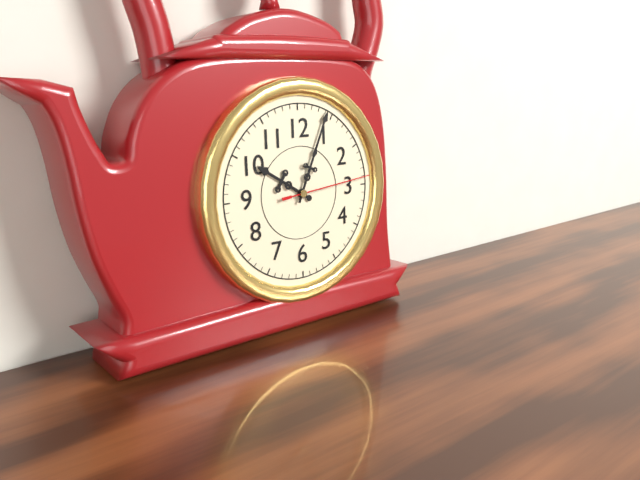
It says 10.04.14
